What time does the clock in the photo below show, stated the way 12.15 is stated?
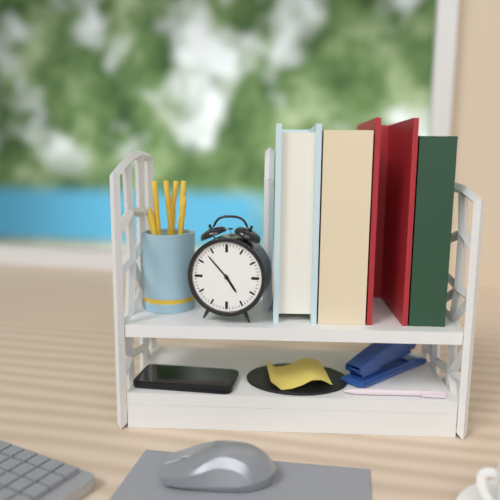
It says 4.53
